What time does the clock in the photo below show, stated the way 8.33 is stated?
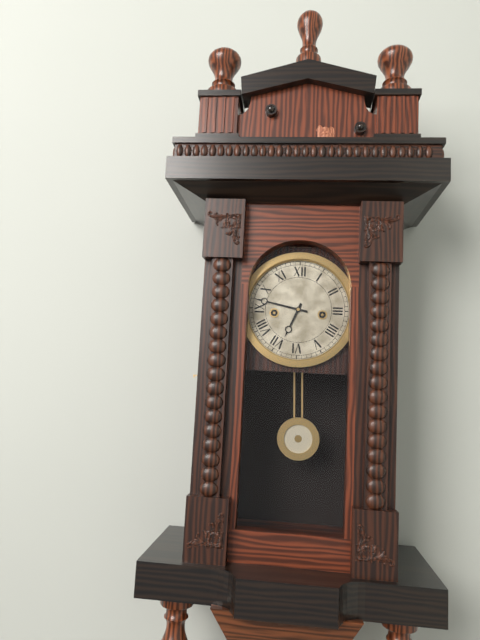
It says 6.47
